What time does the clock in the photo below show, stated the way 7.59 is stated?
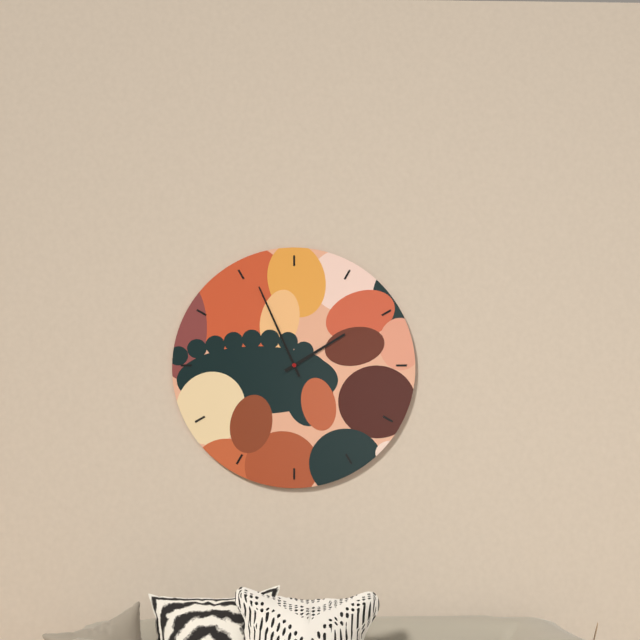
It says 1.56
